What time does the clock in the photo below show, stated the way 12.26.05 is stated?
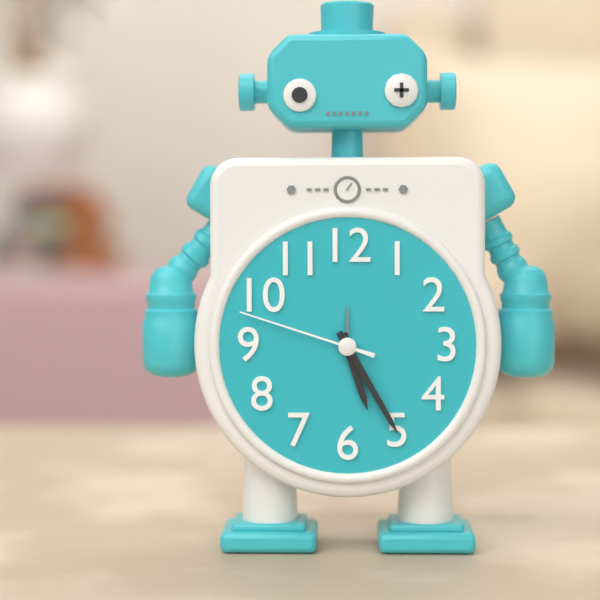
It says 5.25.48
